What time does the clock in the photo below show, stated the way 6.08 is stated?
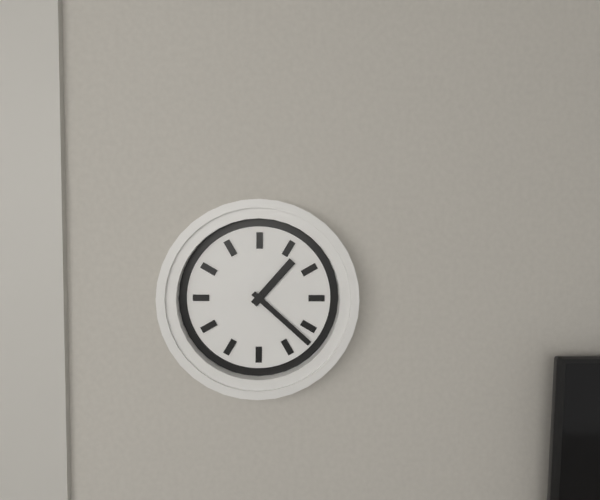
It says 1.22
